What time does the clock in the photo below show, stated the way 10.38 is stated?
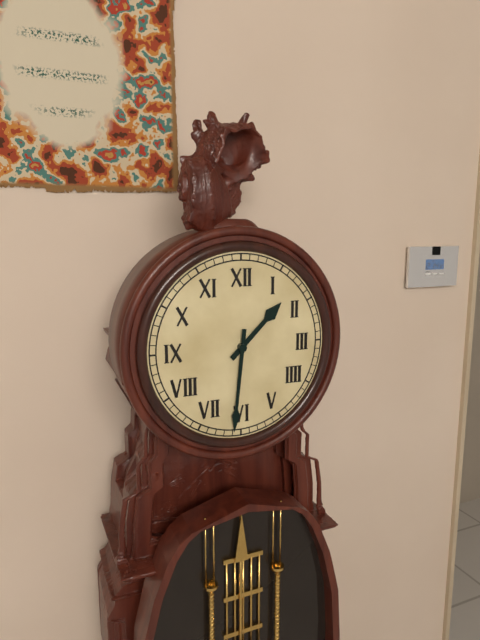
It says 1.31
